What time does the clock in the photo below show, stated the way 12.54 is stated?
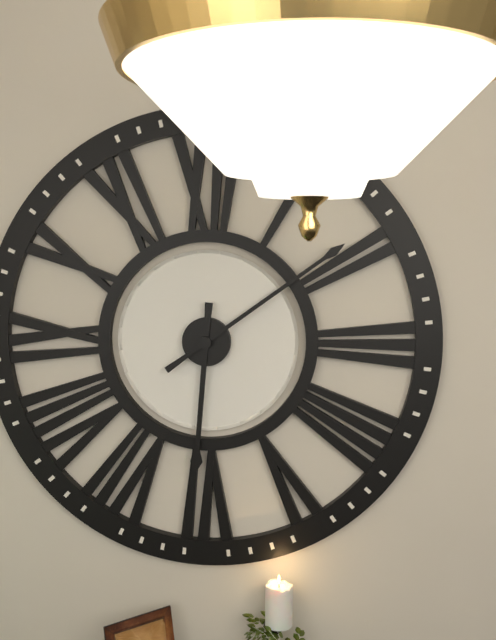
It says 6.09
